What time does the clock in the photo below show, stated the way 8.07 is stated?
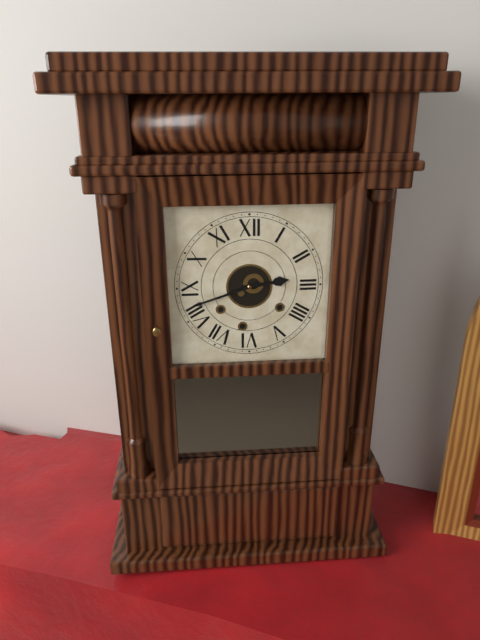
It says 2.42
